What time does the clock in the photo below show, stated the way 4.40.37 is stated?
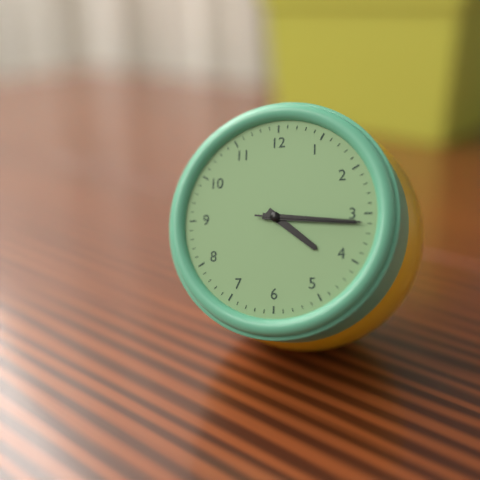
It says 4.16.16
